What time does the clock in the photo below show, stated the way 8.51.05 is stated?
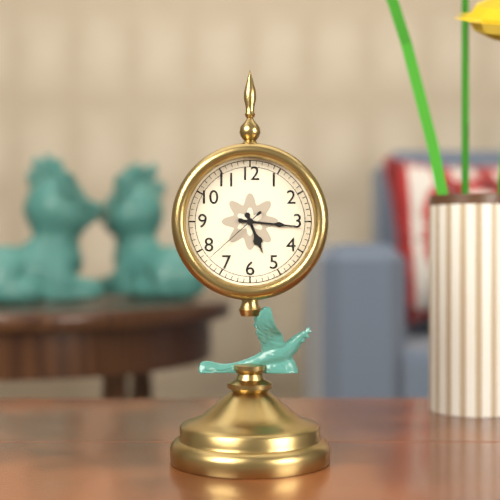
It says 5.16.38
